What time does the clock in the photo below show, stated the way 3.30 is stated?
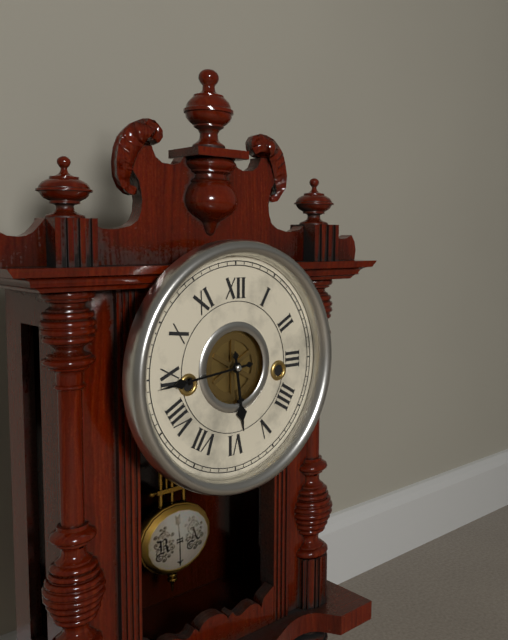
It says 5.44
